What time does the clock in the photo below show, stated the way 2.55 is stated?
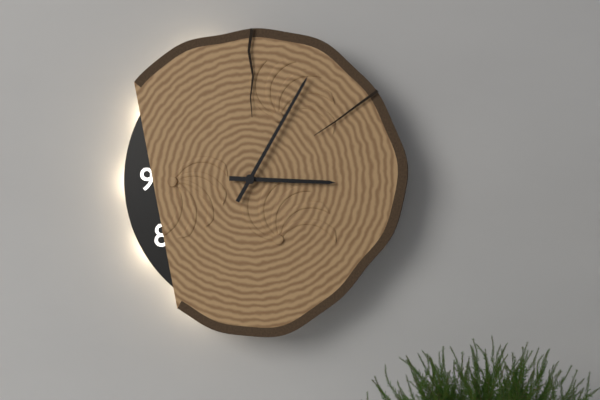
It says 3.05
